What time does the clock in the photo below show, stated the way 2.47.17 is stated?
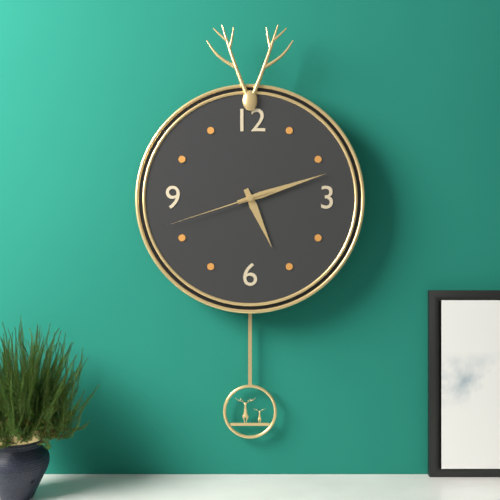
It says 5.12.42
